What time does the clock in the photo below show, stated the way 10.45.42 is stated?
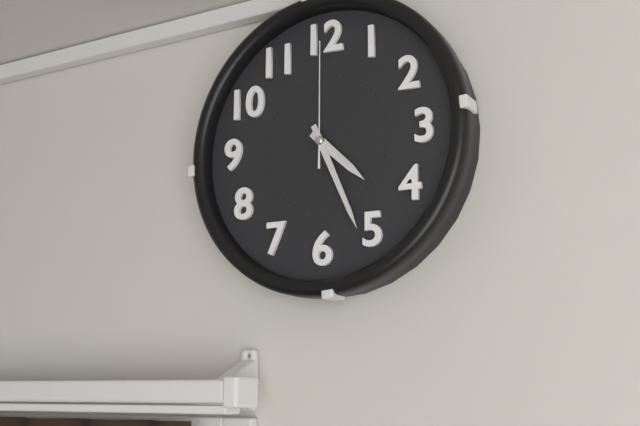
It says 4.26.00
